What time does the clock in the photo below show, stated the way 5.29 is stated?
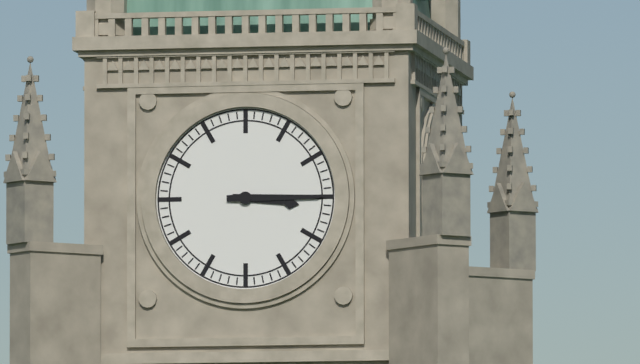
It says 3.15
